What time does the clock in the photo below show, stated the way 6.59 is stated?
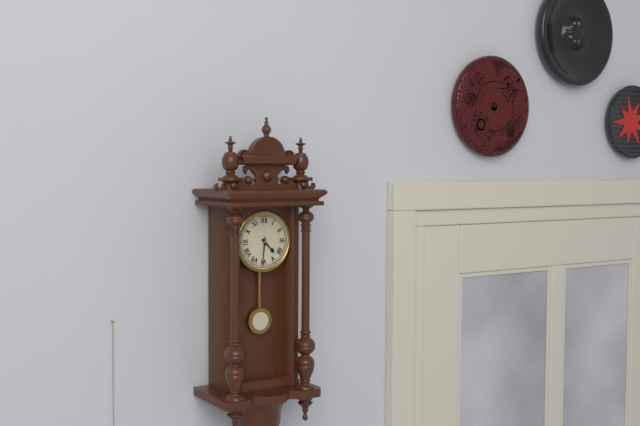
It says 4.31
